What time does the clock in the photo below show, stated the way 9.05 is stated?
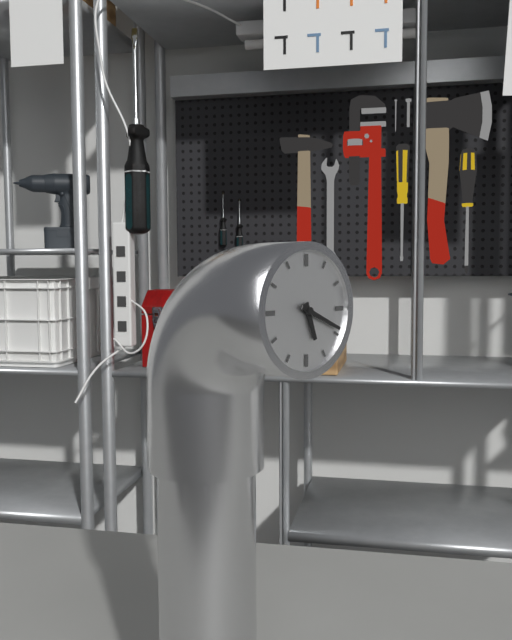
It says 5.19
